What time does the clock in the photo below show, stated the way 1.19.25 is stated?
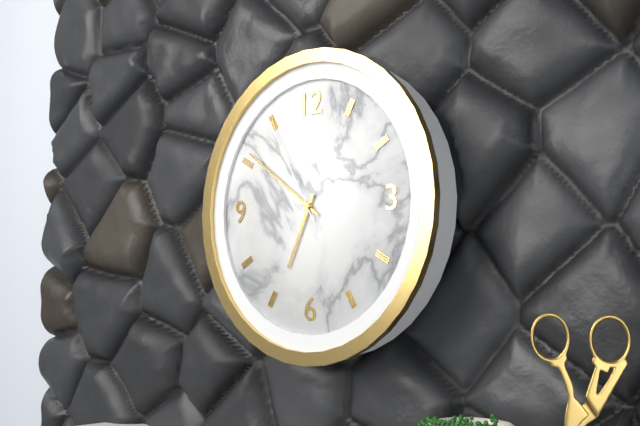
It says 6.51.55
